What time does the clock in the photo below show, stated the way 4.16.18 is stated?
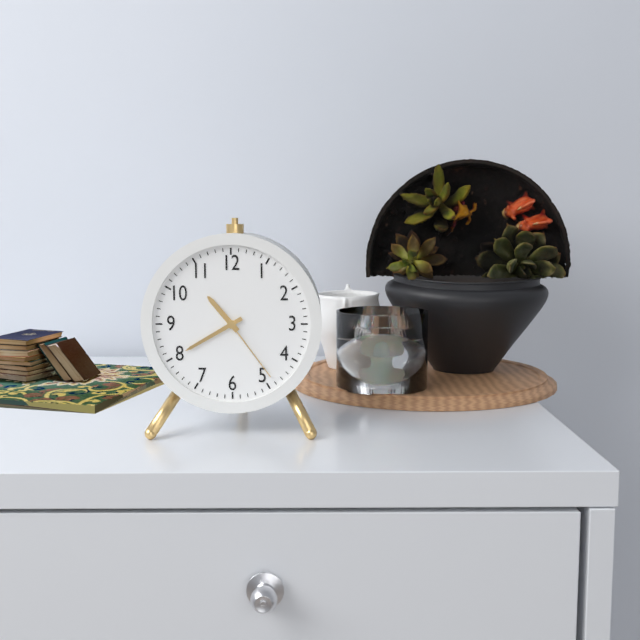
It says 10.40.24
